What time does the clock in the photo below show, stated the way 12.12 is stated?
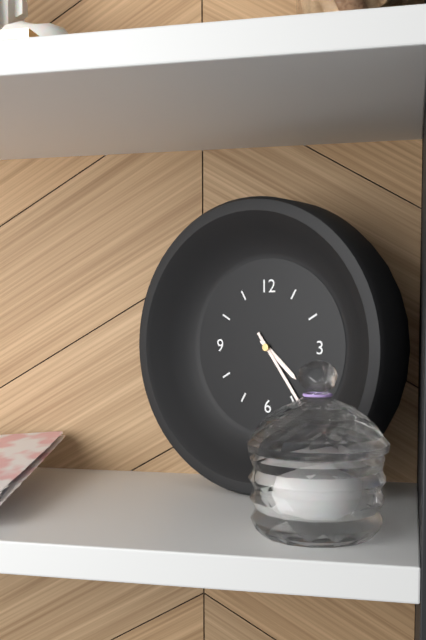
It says 4.24
